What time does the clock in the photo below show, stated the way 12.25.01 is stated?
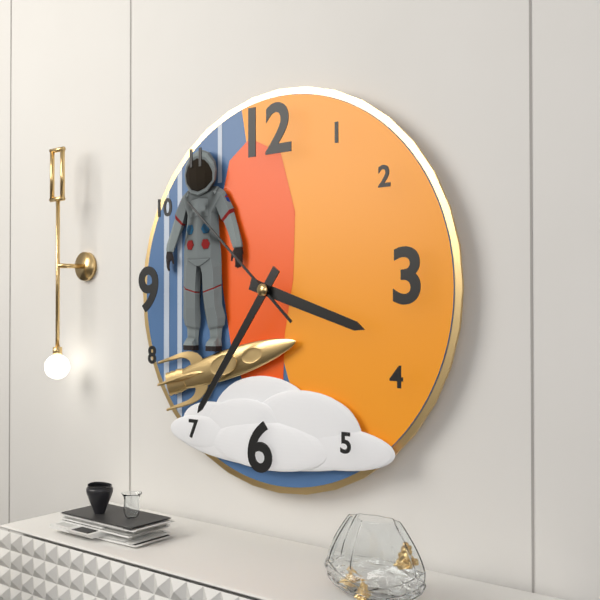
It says 3.36.52
